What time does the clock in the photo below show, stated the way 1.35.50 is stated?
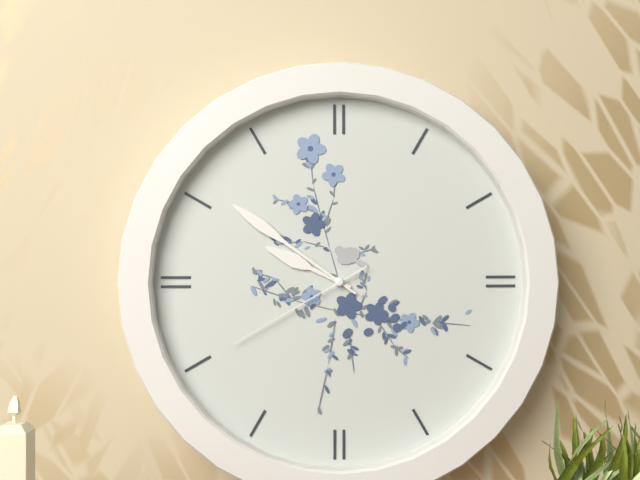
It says 9.51.40
